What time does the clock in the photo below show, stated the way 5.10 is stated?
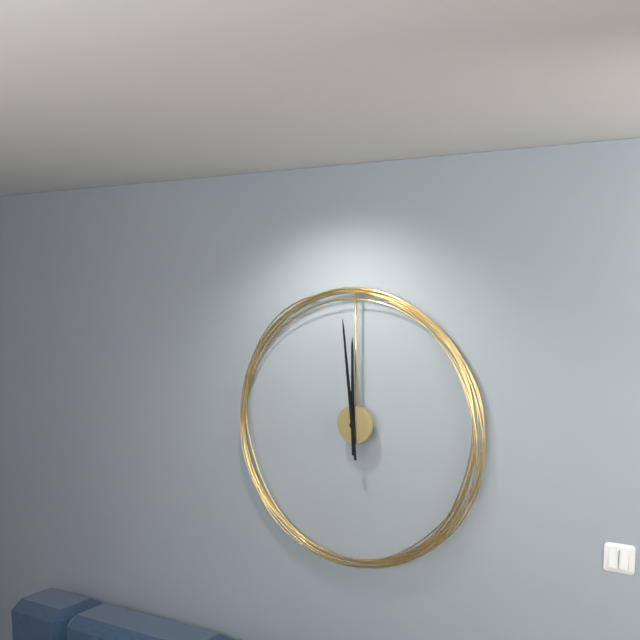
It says 11.59
